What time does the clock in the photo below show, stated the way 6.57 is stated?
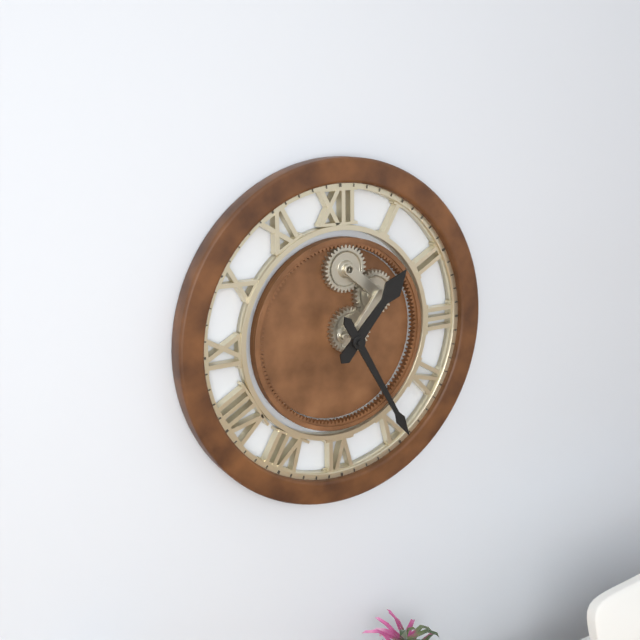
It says 1.25
